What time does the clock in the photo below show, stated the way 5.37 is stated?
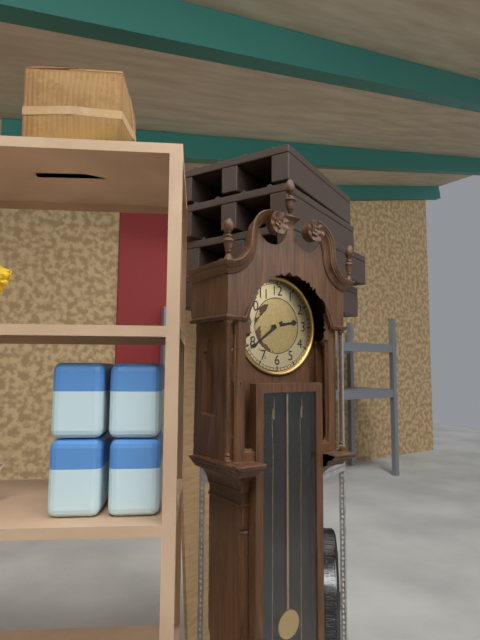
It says 2.39
